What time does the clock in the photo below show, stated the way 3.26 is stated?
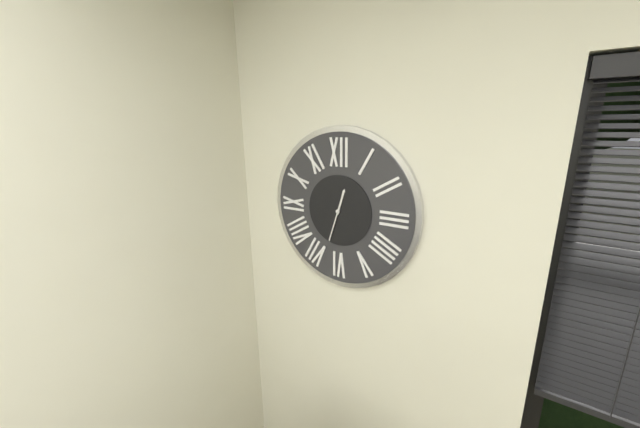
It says 12.33
